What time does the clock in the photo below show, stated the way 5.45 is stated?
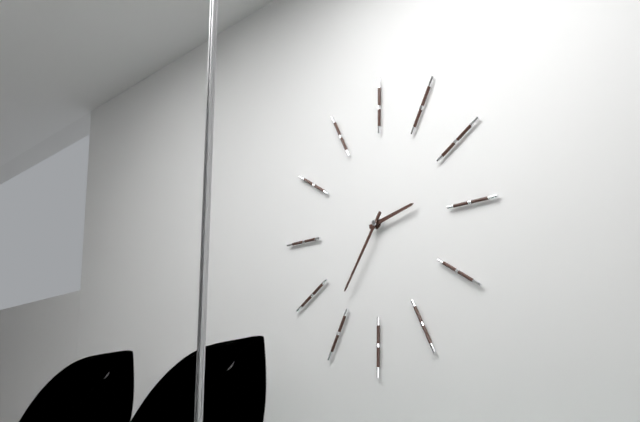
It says 2.36
